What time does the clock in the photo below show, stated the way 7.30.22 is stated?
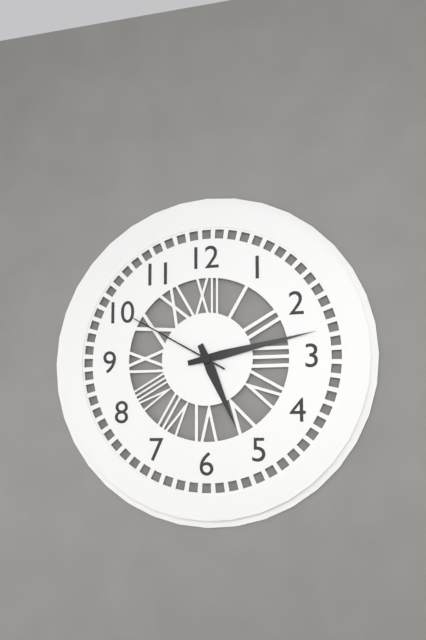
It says 5.13.50
